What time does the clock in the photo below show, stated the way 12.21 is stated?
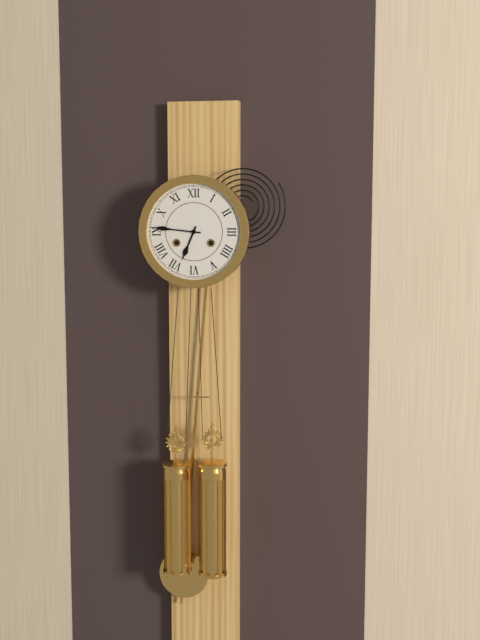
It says 6.46
